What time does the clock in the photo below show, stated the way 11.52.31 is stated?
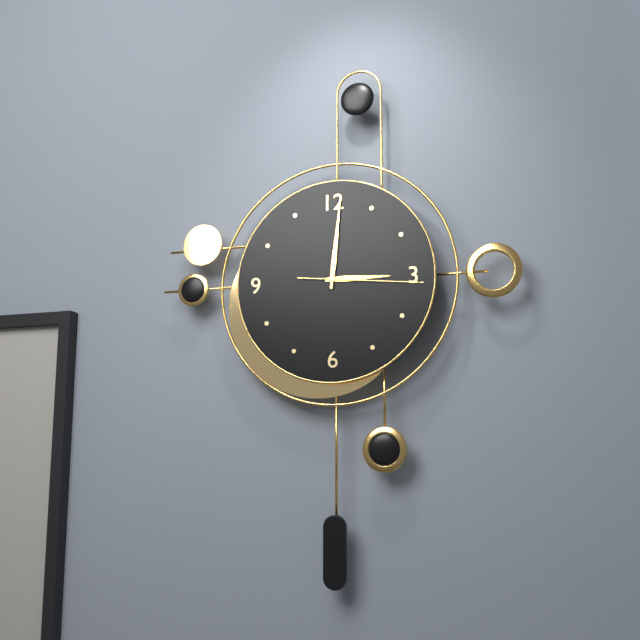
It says 3.01.16
